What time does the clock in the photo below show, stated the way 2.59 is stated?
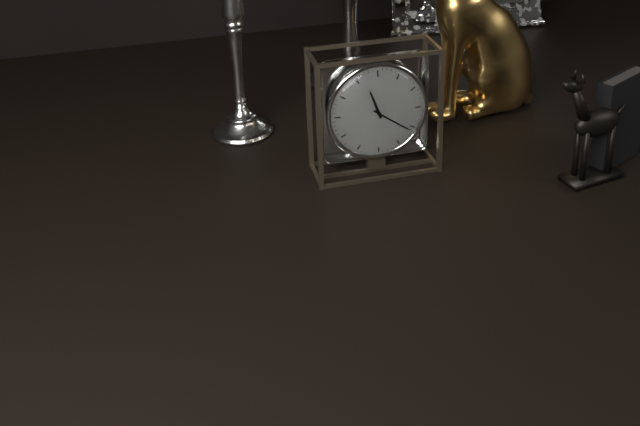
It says 11.21
